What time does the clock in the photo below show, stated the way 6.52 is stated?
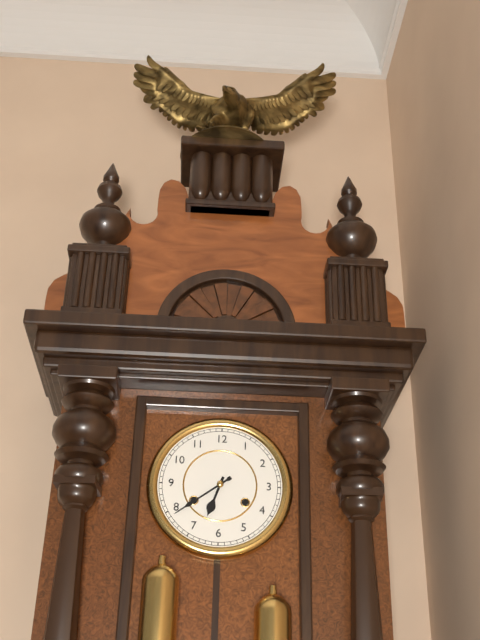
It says 6.39
